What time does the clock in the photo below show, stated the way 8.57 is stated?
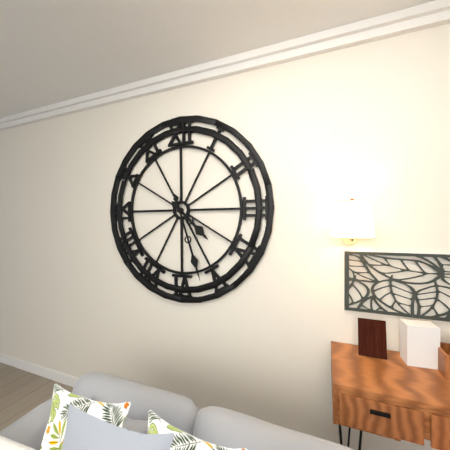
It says 4.27
